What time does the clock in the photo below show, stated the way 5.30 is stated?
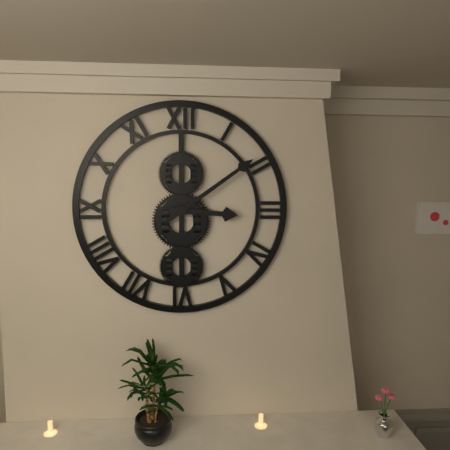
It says 3.09
